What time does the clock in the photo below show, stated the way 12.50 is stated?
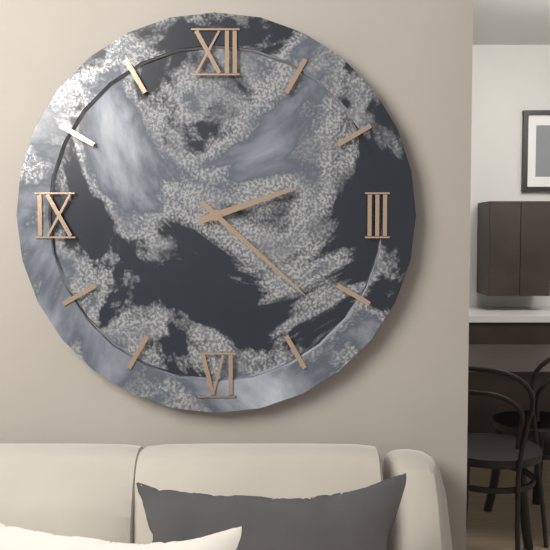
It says 2.22
